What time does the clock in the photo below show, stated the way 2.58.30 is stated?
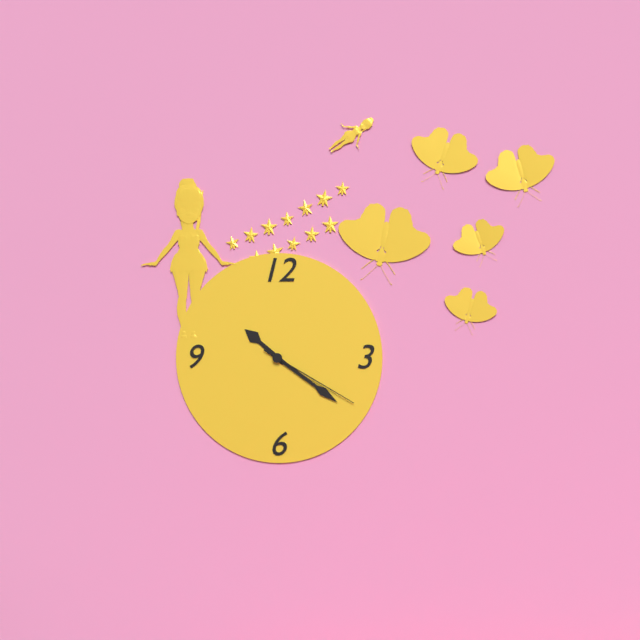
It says 10.21.20
